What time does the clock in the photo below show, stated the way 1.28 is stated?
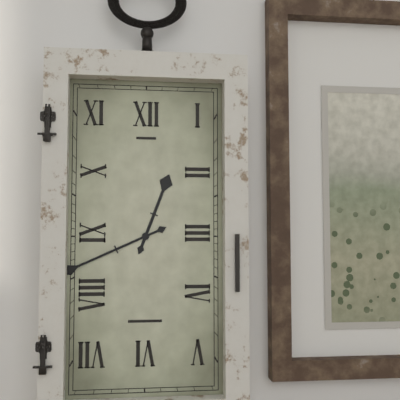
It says 12.41
